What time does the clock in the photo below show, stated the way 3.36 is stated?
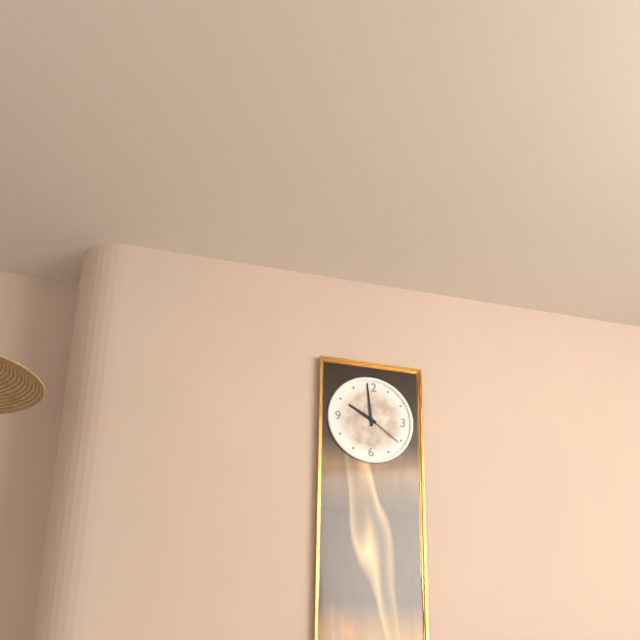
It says 9.59
